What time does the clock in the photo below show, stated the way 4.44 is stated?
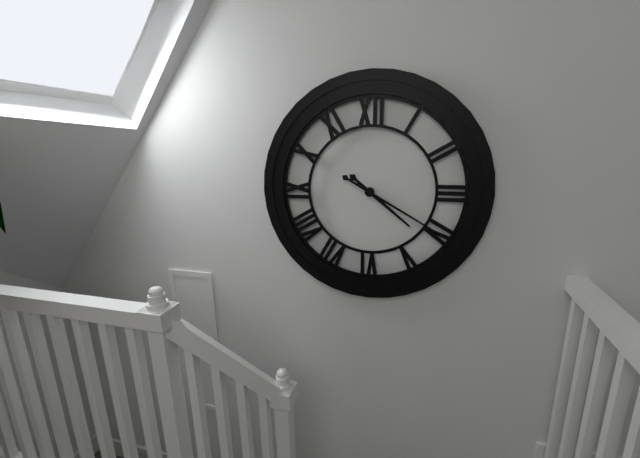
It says 4.20
